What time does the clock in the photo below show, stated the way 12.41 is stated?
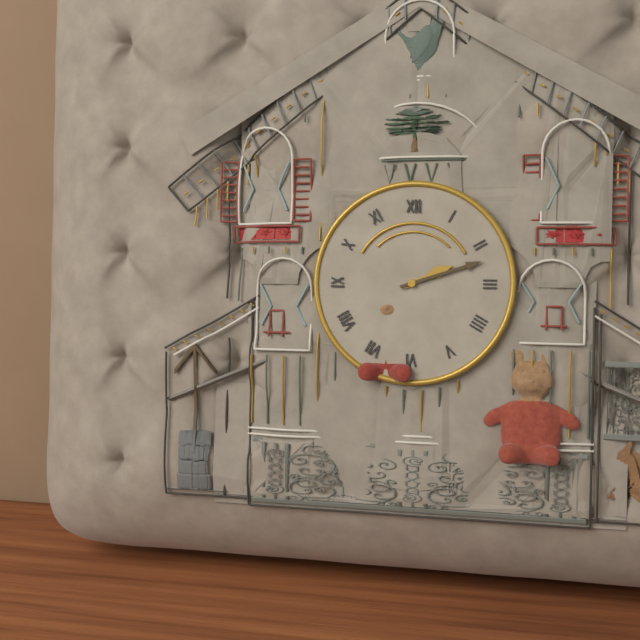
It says 2.12
